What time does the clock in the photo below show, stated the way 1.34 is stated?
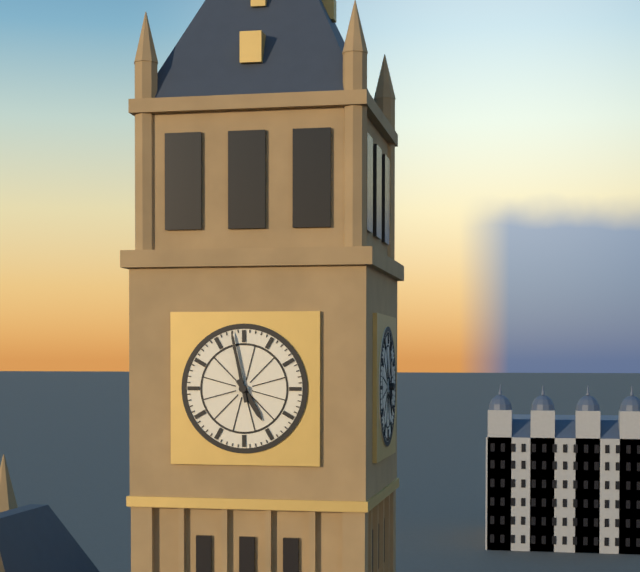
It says 4.58
